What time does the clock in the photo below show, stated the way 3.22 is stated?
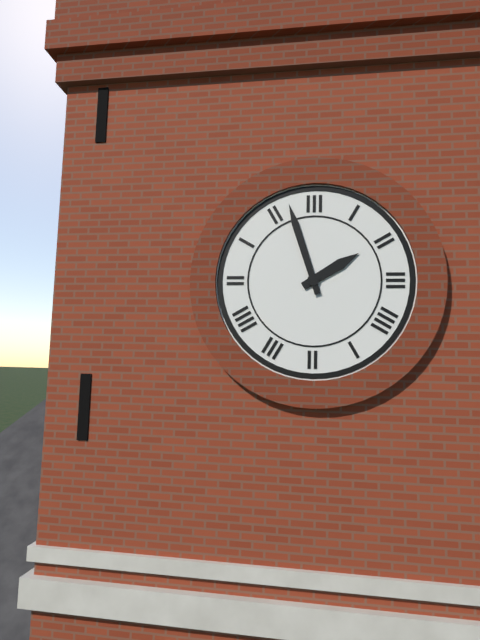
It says 1.57
